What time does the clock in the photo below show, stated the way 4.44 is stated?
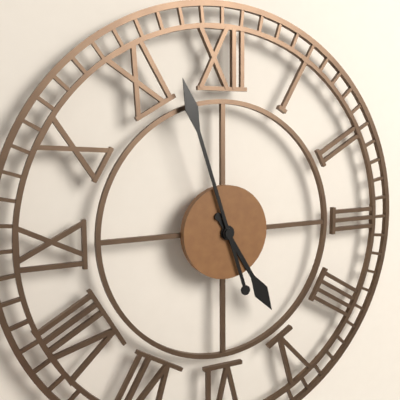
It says 4.57
